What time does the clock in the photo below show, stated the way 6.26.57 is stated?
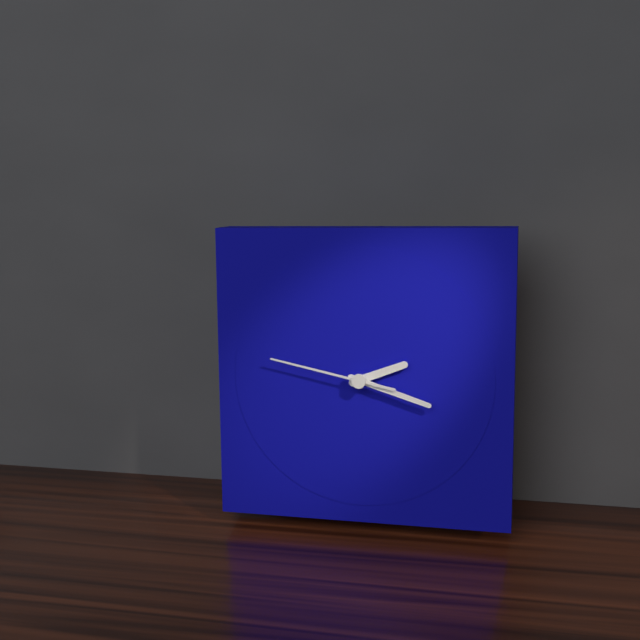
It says 2.18.47
